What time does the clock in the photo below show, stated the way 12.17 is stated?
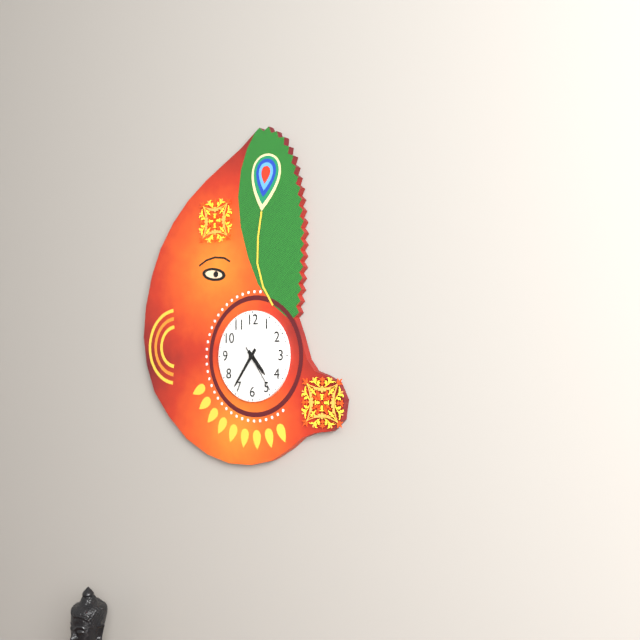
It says 4.36
